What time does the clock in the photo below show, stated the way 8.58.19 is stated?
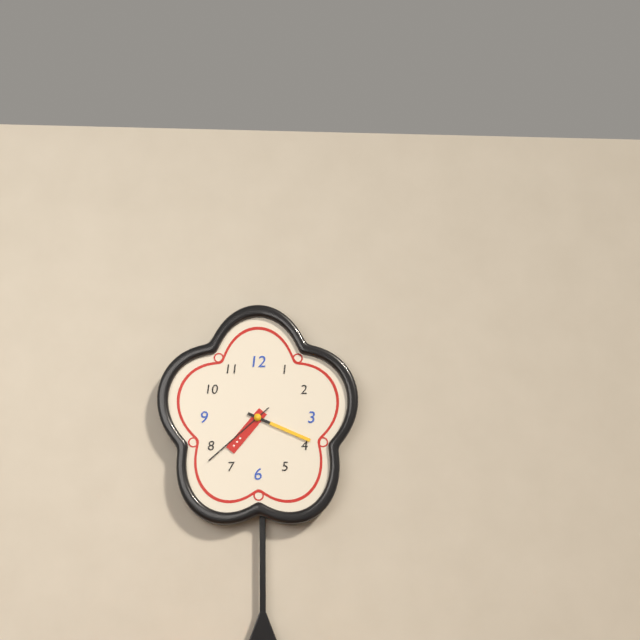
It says 7.19.38
